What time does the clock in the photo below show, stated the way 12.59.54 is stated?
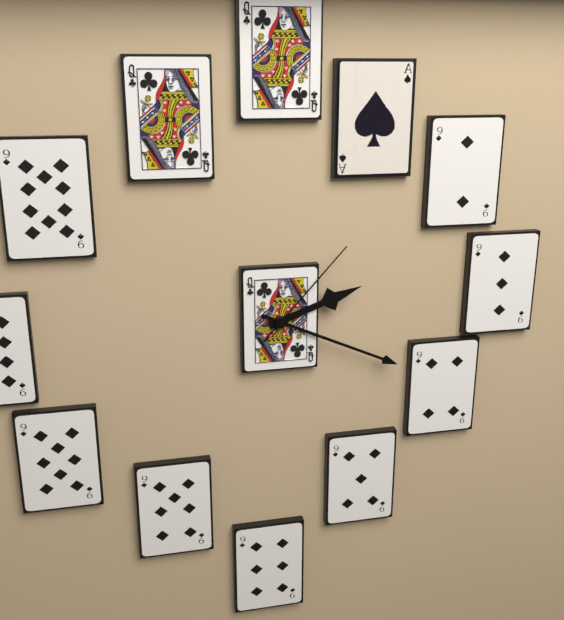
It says 2.19.07
